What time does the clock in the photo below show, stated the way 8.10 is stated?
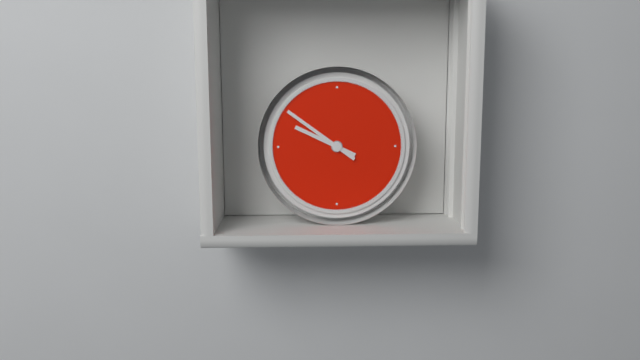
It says 9.51
